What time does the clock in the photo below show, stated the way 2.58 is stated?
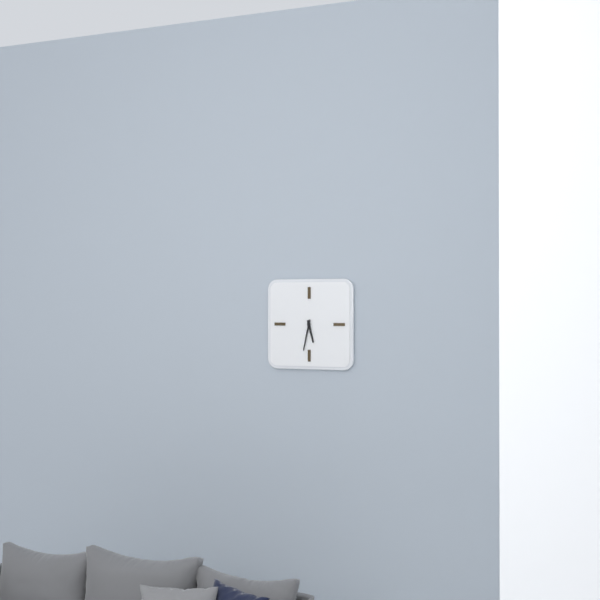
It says 5.32
